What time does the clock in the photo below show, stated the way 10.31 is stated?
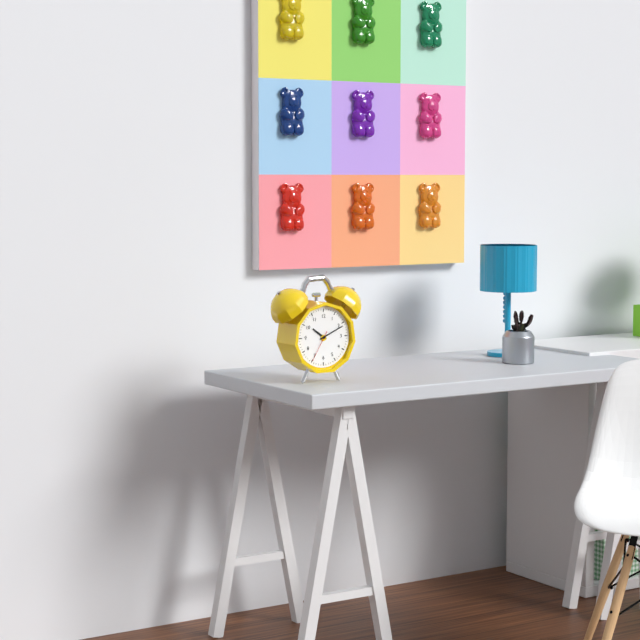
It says 10.11
